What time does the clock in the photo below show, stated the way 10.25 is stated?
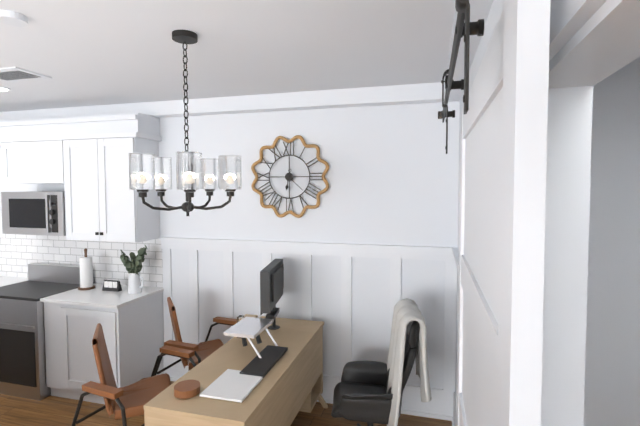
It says 6.22
